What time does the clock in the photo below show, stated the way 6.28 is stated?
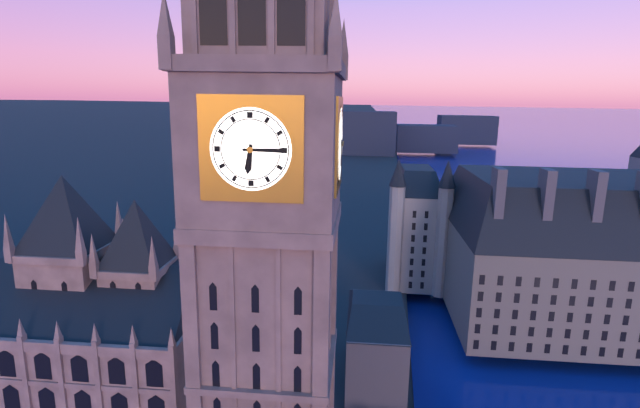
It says 6.15
